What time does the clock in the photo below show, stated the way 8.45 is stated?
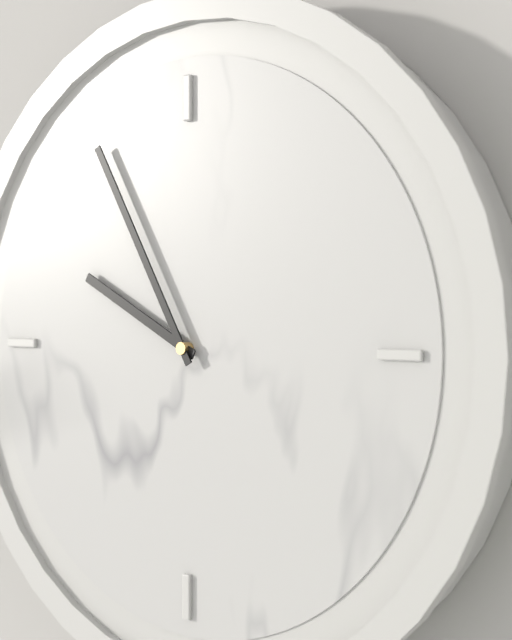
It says 9.55
